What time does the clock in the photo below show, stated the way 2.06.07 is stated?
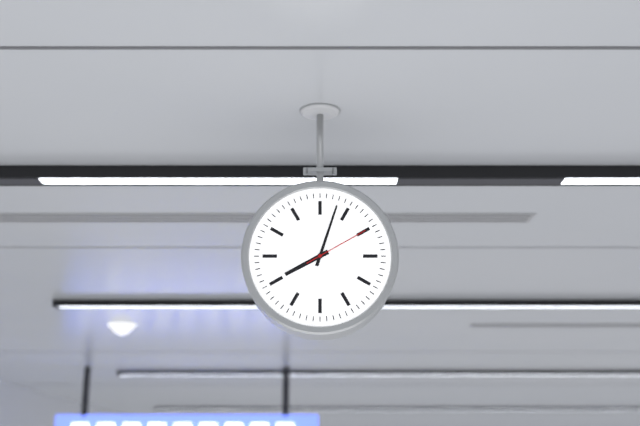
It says 8.03.10
